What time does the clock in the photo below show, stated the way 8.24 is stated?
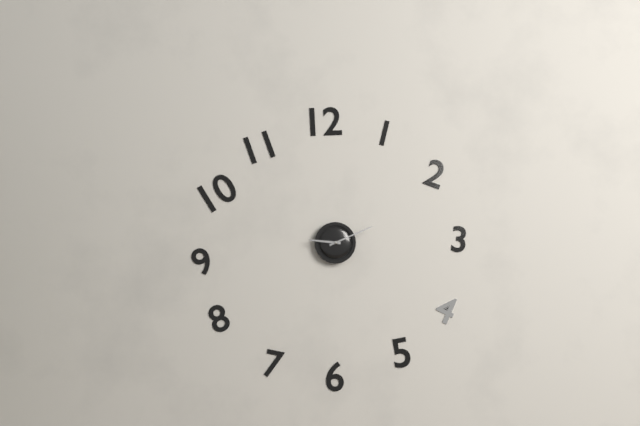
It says 9.11
